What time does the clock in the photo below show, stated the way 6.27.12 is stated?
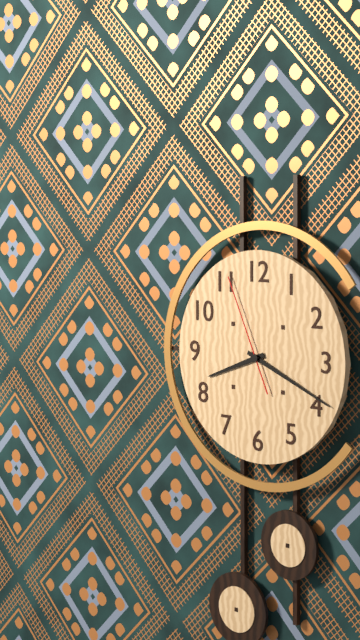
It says 8.19.56
